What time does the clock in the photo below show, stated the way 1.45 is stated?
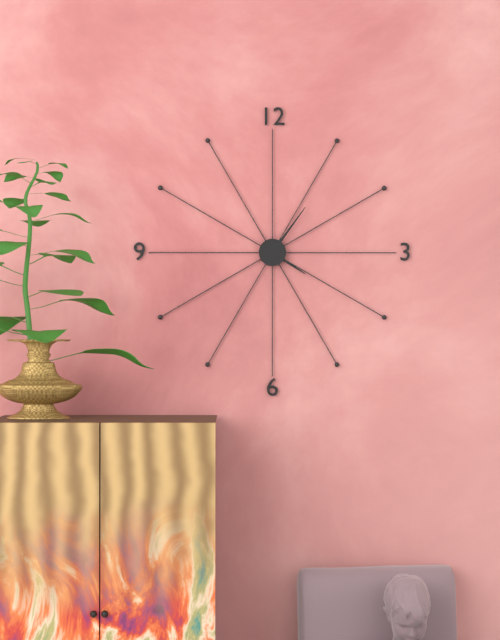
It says 4.06
